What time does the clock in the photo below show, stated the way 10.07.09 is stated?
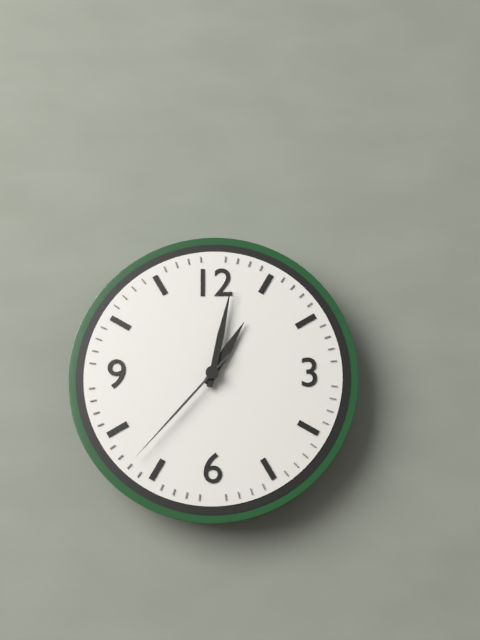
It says 1.02.37
